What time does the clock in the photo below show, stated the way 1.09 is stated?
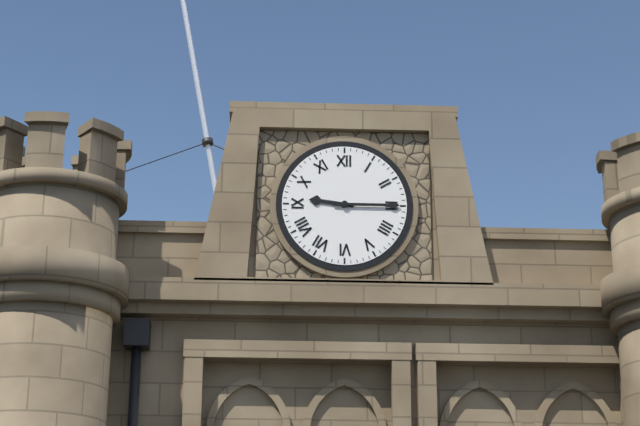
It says 9.15
